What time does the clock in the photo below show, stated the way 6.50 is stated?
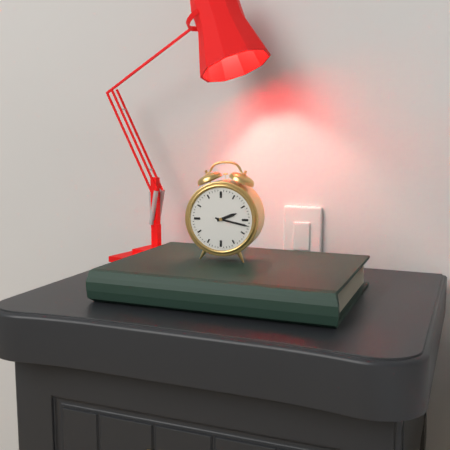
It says 2.17
